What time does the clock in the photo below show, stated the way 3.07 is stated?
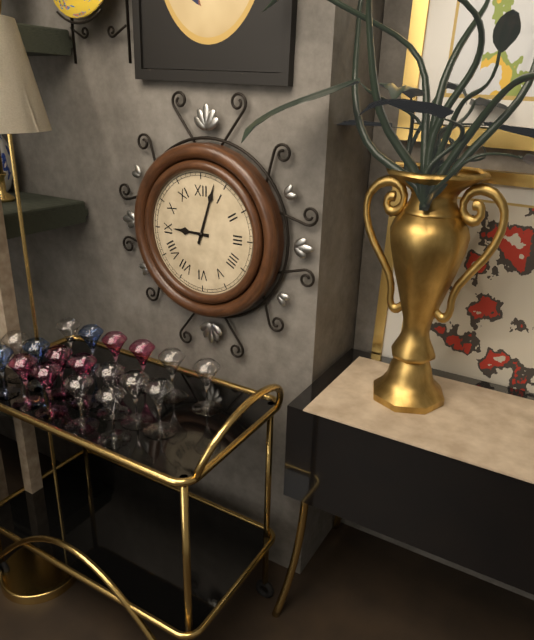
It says 9.03
